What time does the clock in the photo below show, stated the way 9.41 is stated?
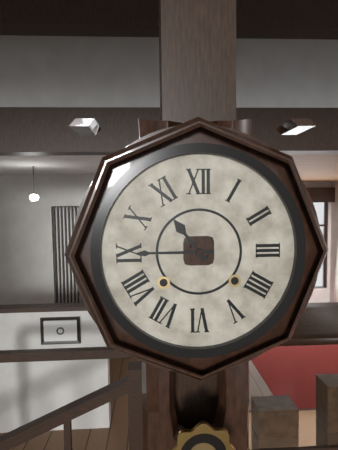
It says 10.45
